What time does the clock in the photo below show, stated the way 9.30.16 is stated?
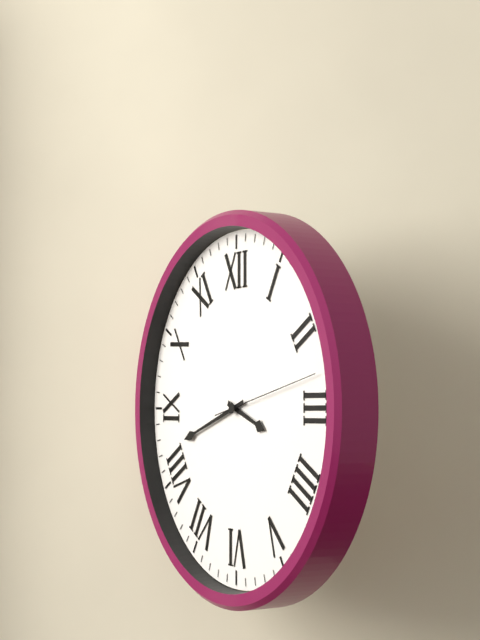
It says 3.42.13
